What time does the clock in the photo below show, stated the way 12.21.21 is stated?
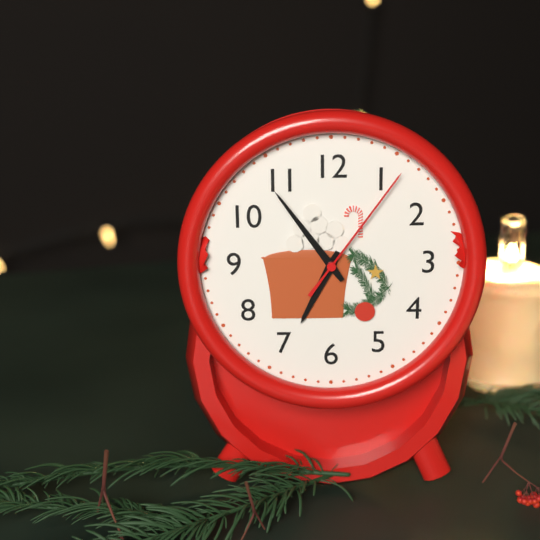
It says 6.54.06
